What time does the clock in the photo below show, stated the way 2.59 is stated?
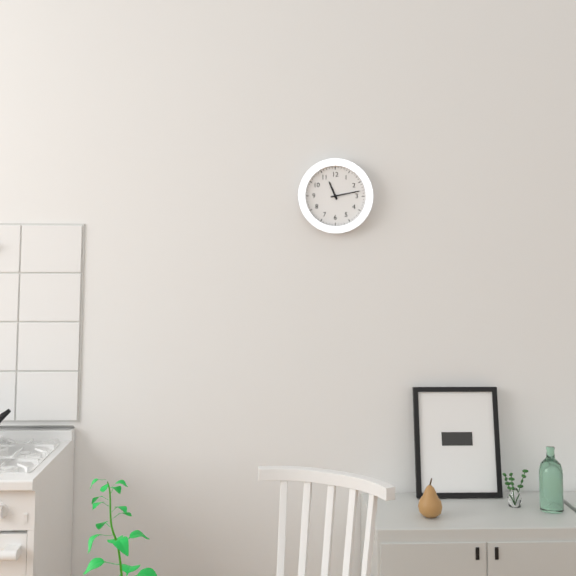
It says 11.13
